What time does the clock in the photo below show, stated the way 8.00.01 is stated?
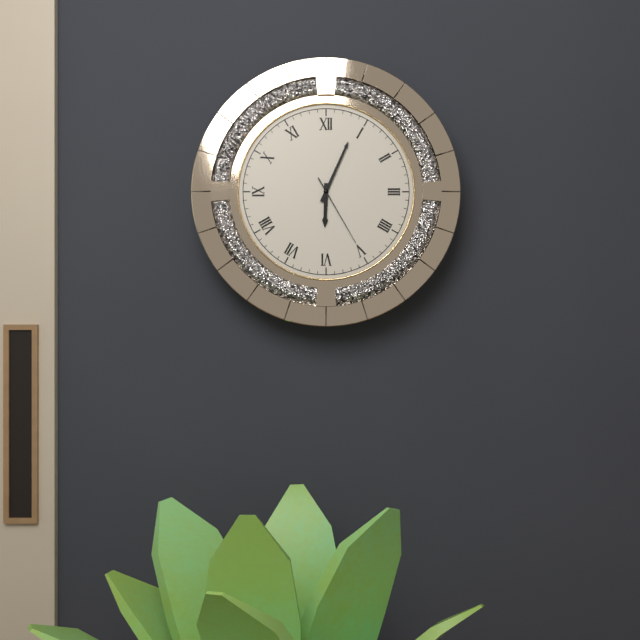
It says 6.04.25
